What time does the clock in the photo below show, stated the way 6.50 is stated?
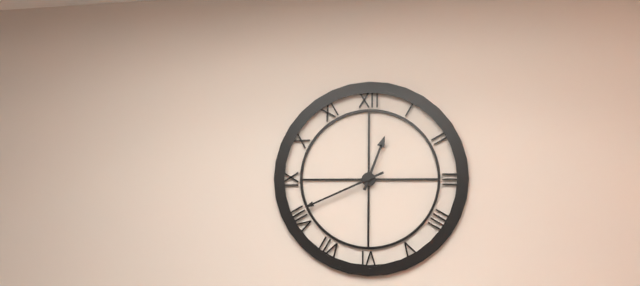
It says 12.41
